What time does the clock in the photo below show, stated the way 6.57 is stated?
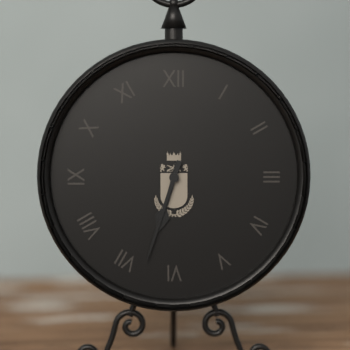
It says 6.33
